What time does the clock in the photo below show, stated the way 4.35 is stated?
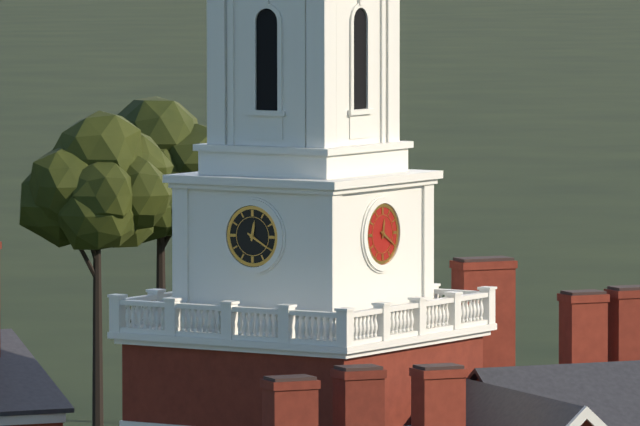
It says 12.20
